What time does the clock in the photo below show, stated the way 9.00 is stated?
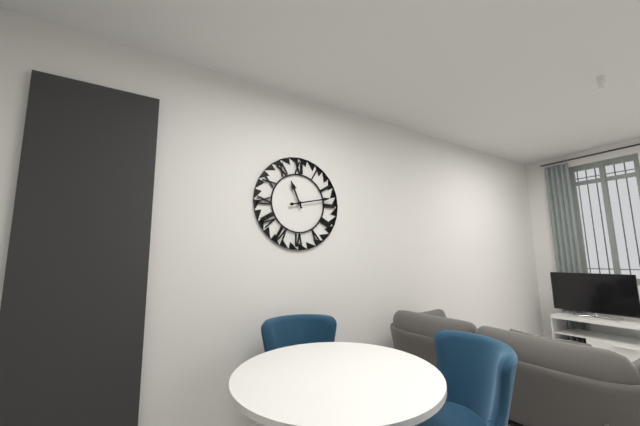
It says 11.13
